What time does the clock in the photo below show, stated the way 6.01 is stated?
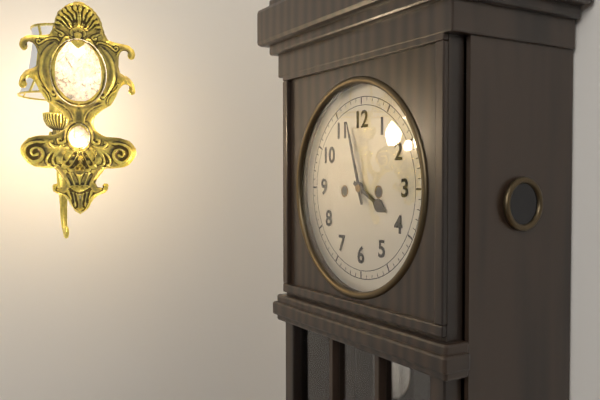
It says 3.57
